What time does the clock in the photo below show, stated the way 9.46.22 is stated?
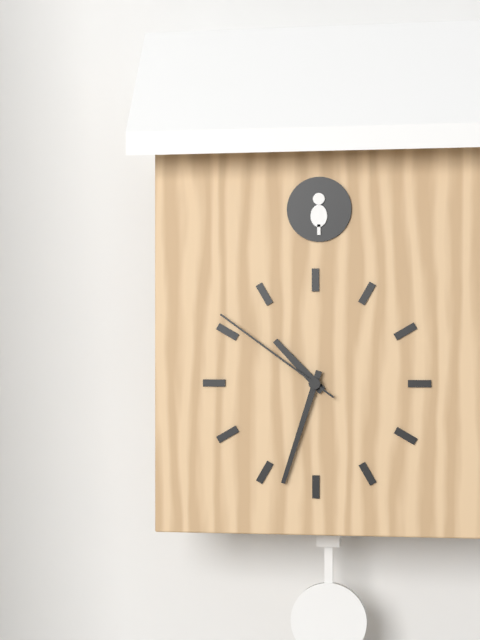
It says 10.33.51
